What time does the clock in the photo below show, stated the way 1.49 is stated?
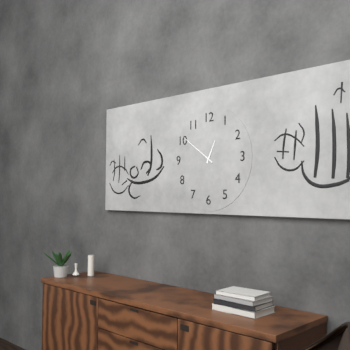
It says 12.51
